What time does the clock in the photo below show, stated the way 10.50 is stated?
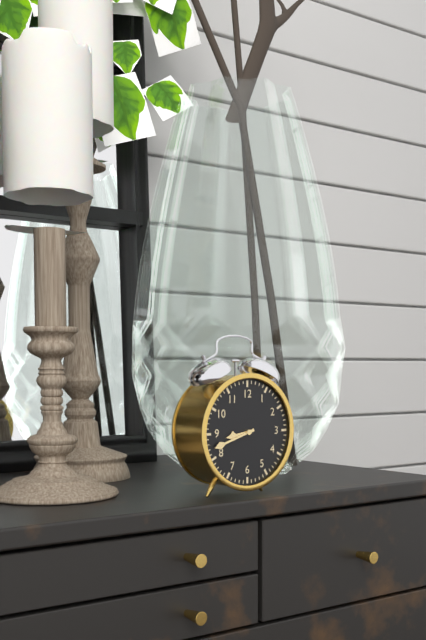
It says 8.42
